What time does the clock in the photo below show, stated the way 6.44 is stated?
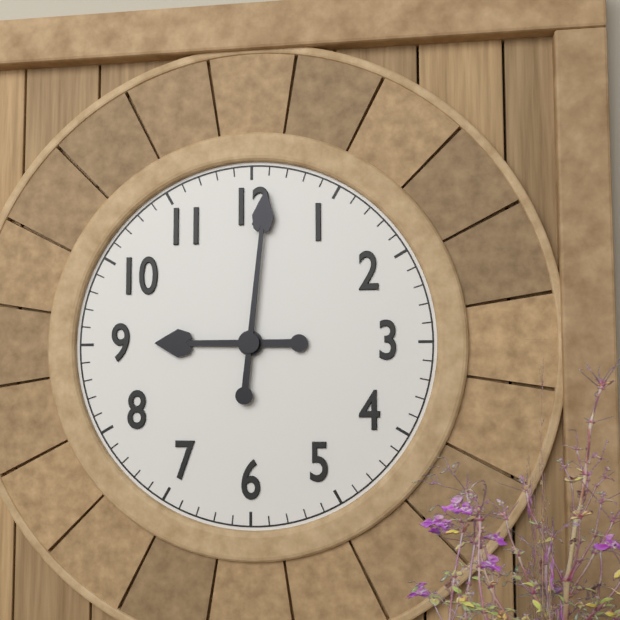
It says 9.01
